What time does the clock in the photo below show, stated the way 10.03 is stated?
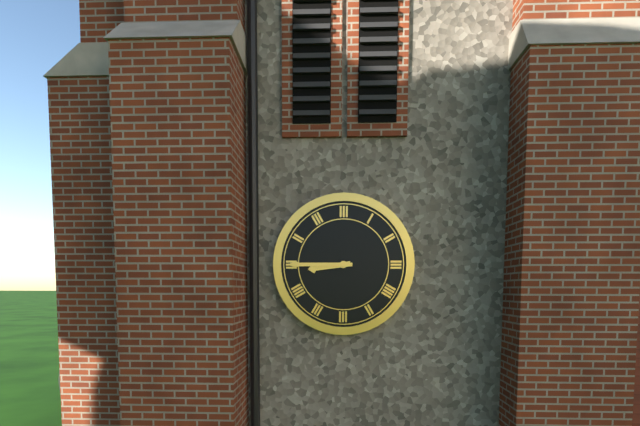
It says 8.45
